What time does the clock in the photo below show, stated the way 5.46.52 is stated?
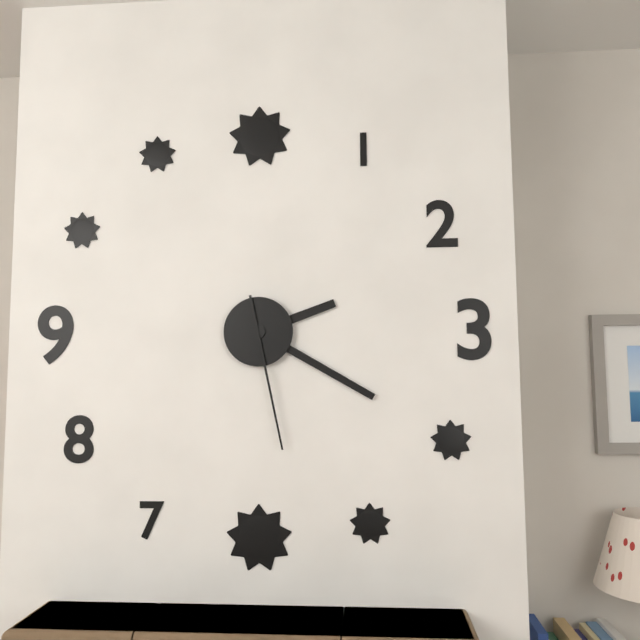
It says 2.20.28
